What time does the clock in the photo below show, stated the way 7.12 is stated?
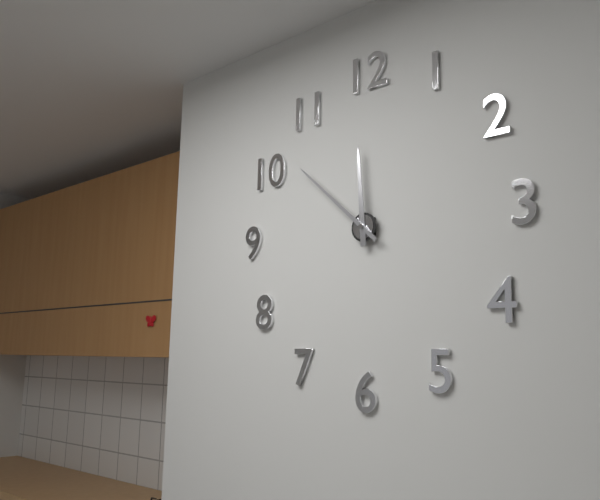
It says 11.52
